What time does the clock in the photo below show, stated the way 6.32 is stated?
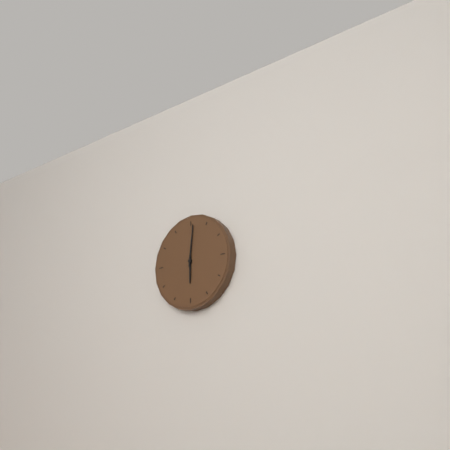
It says 6.01
